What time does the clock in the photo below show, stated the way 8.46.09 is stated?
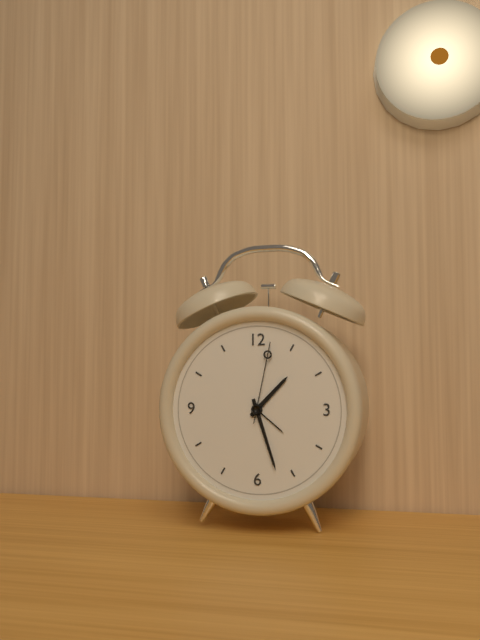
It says 1.27.02
